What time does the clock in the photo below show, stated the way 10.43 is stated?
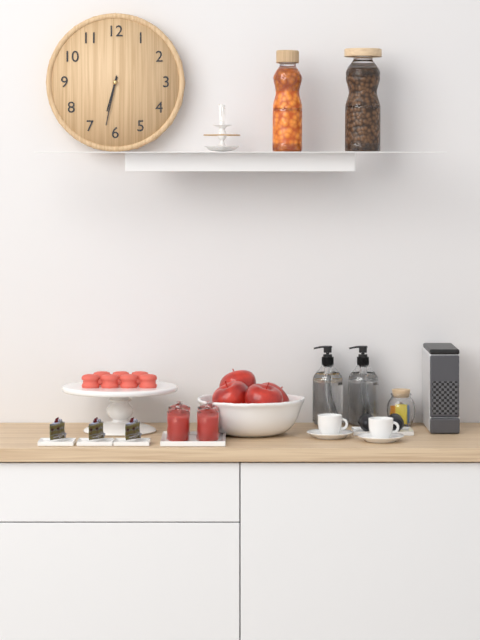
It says 6.32
